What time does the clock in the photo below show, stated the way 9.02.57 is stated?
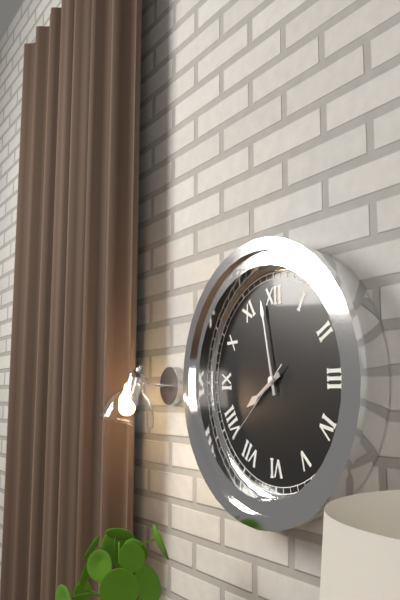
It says 7.58.38
